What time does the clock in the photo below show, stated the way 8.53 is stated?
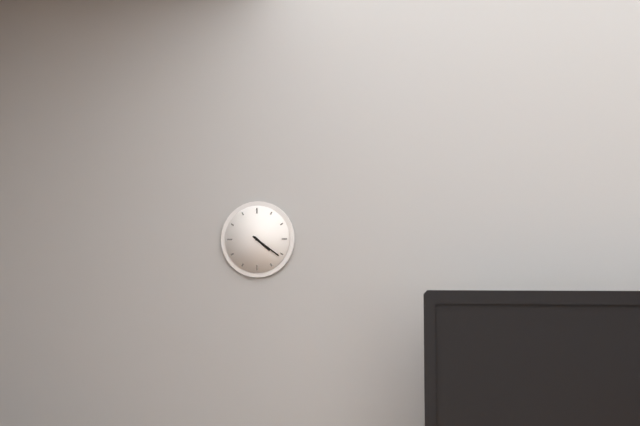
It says 4.21
